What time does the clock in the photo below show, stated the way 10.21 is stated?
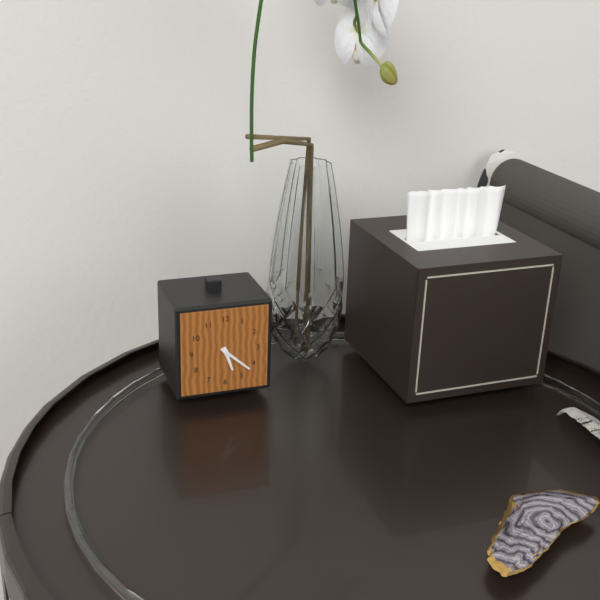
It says 5.22
